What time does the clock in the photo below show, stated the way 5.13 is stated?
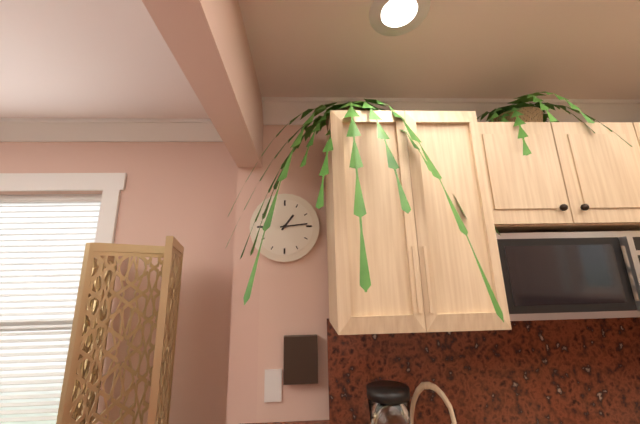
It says 1.14
